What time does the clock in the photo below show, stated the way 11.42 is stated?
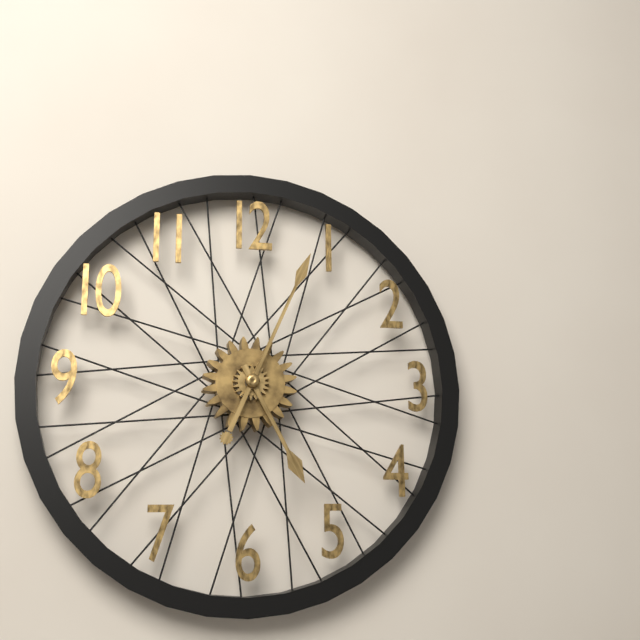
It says 5.04
